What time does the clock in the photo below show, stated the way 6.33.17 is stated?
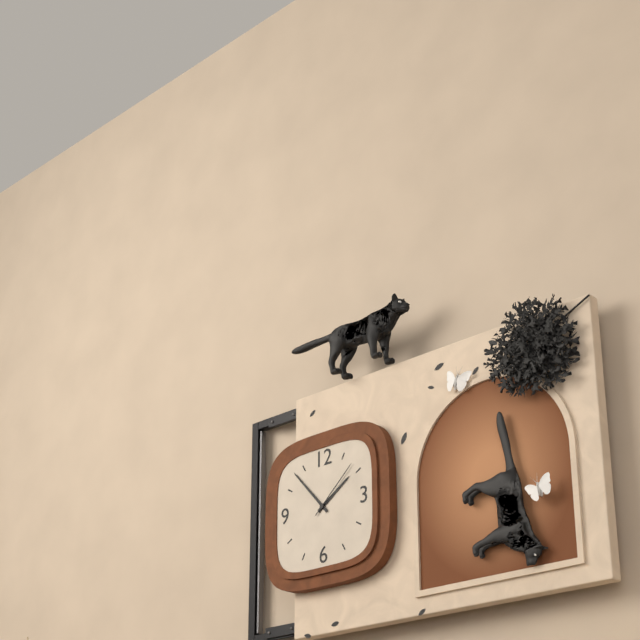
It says 1.53.08
